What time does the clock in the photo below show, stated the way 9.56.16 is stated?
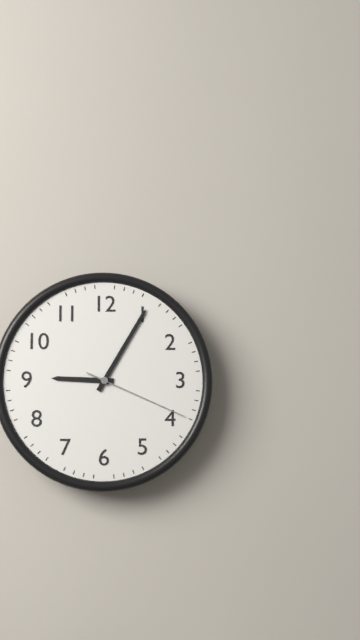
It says 9.05.19
